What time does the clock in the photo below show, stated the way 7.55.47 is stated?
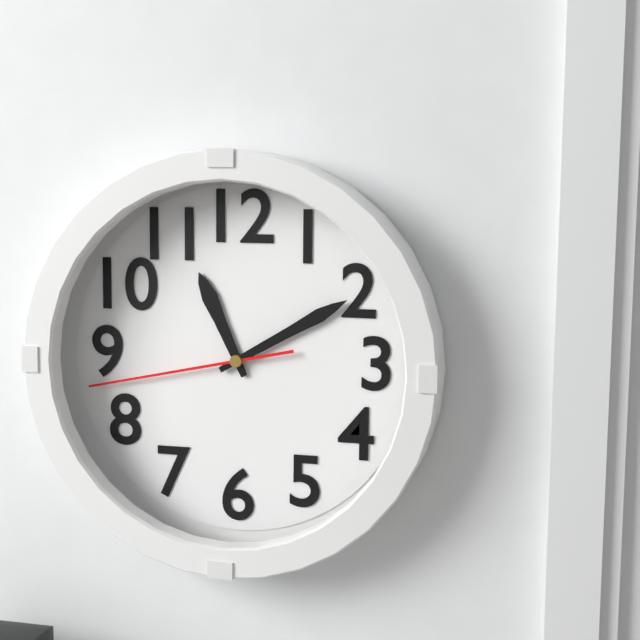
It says 11.10.43
